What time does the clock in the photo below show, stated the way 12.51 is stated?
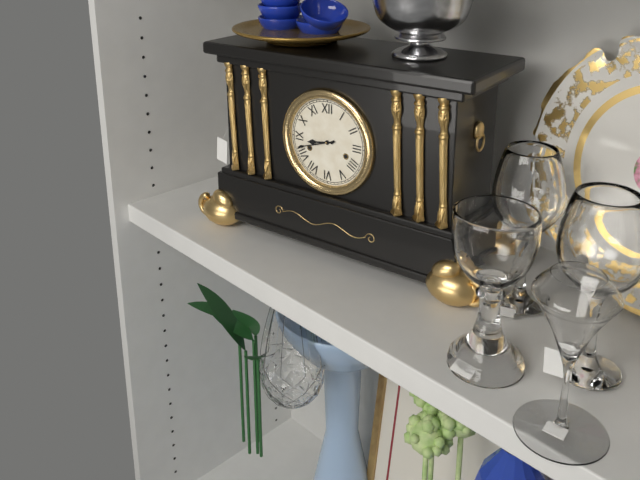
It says 8.42
